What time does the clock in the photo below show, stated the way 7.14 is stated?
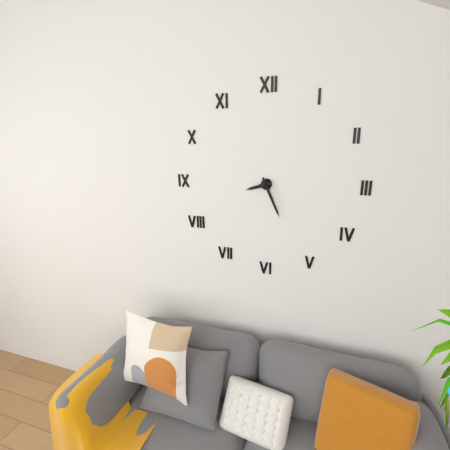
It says 8.26
